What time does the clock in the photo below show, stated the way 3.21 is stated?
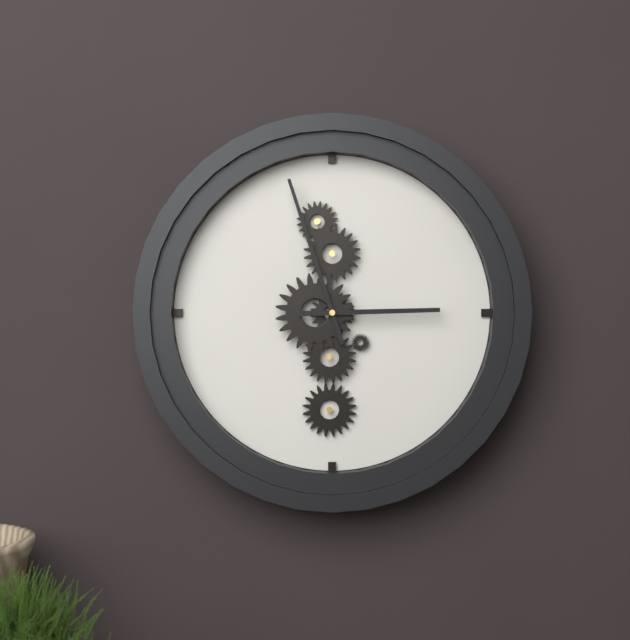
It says 2.57
